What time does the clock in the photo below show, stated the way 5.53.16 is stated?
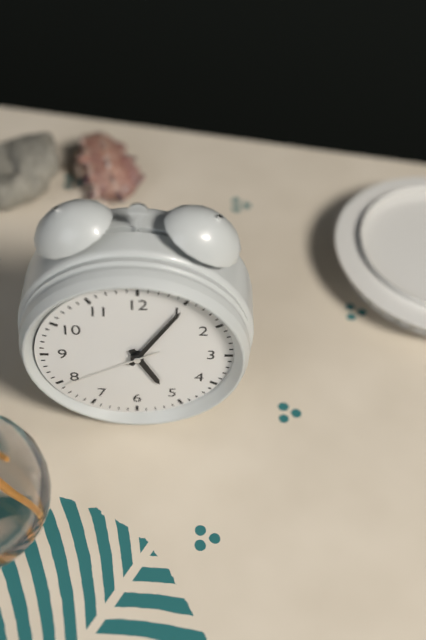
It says 5.05.40
